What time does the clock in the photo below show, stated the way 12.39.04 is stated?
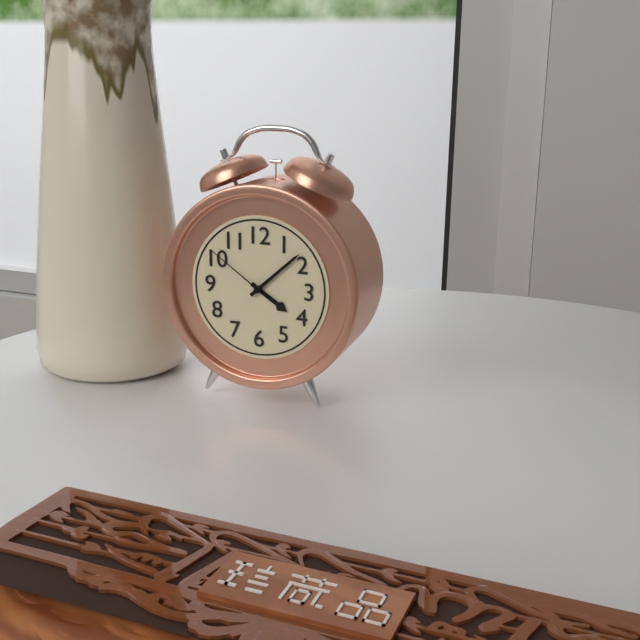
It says 4.08.51
